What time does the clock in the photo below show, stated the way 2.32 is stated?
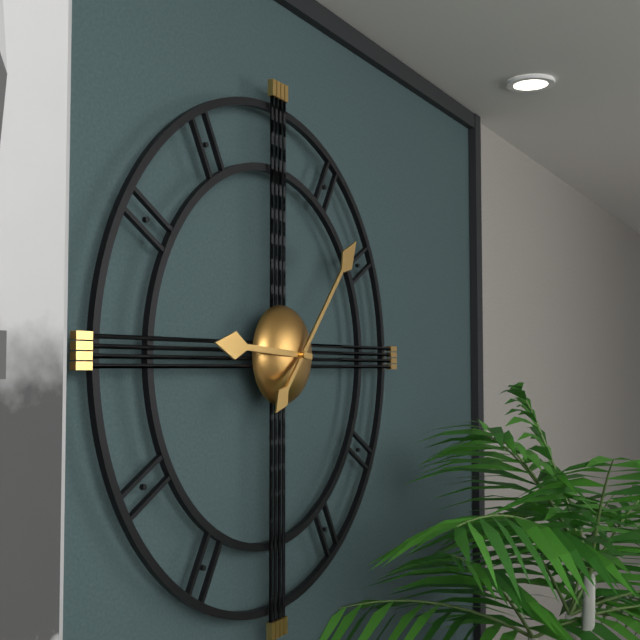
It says 9.07
